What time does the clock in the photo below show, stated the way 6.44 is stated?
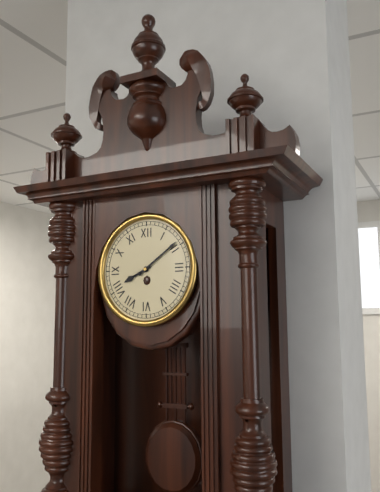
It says 8.09
